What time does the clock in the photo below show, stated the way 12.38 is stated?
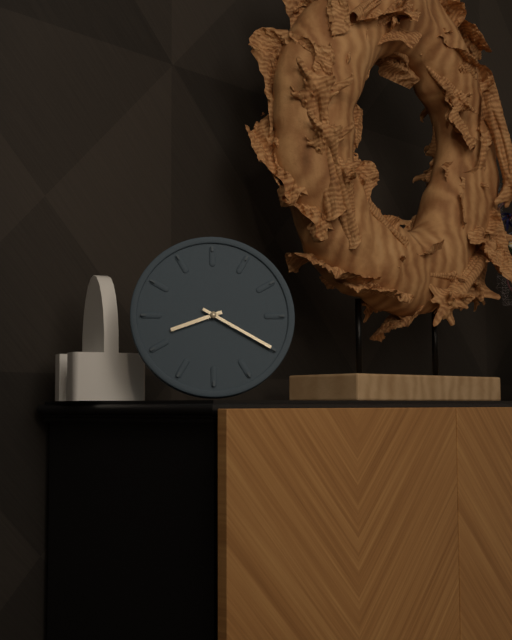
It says 8.20
